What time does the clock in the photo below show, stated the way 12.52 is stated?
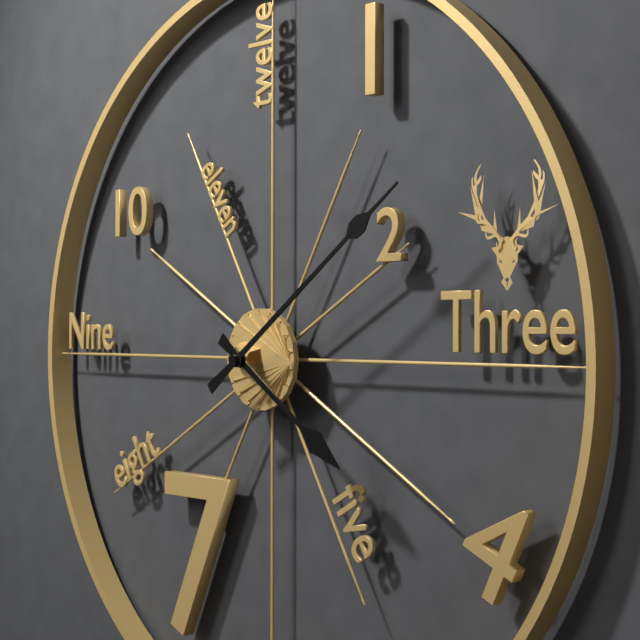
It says 4.09
